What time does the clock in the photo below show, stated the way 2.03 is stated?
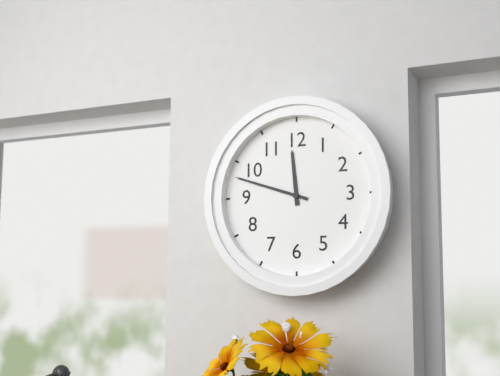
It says 11.48
